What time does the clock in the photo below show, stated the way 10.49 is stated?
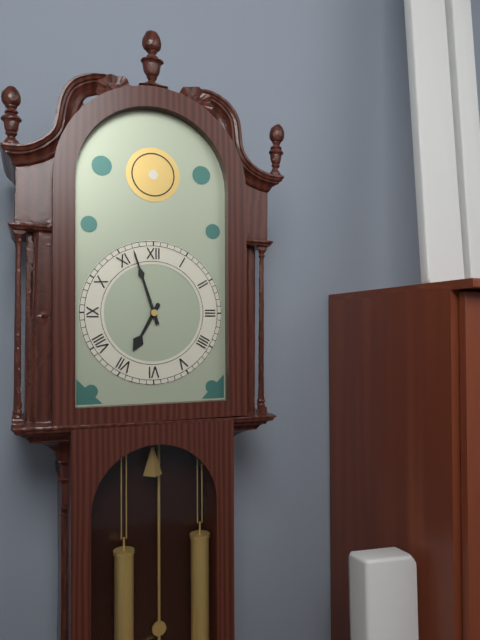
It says 6.57
